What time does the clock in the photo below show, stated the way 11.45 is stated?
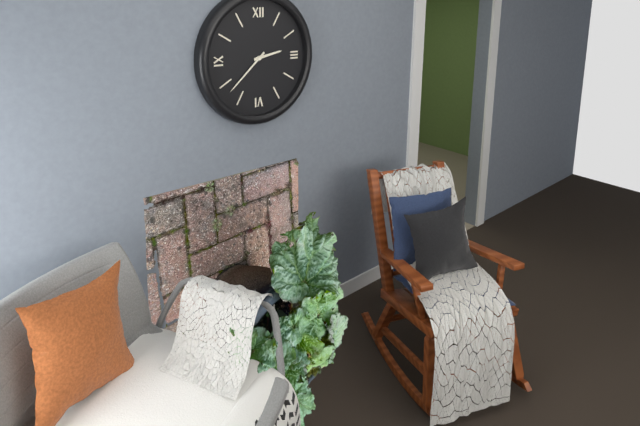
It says 2.38
